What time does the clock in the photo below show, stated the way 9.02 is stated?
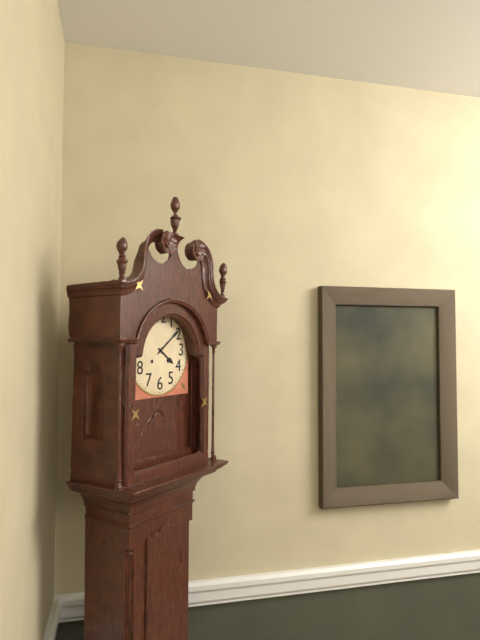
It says 4.09
